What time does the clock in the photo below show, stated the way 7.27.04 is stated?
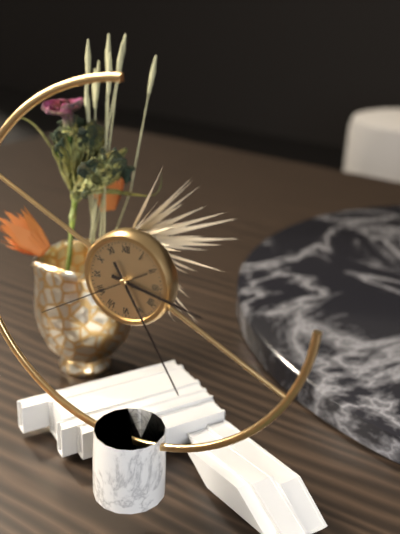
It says 3.25.40
